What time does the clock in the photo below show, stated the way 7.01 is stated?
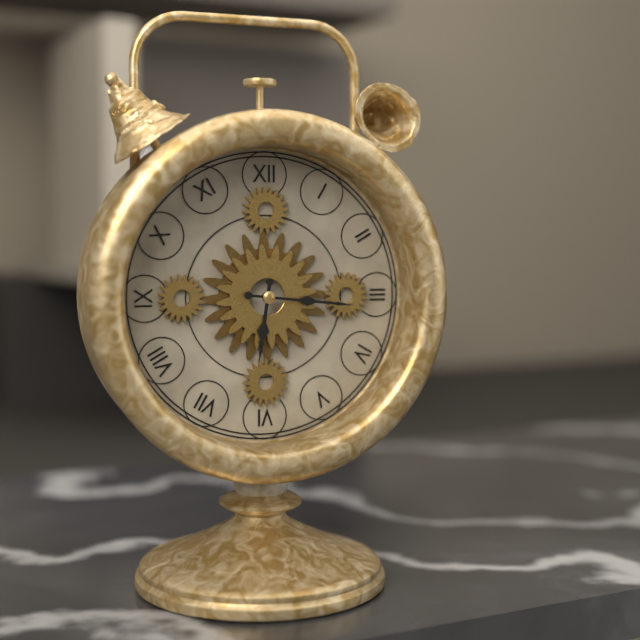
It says 6.16
